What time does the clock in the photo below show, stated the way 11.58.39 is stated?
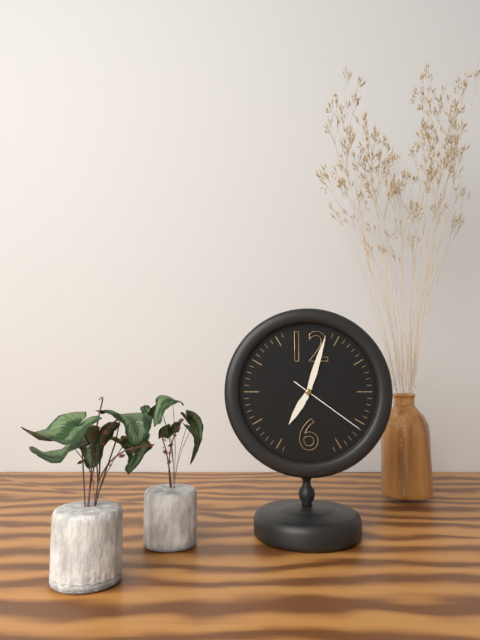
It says 7.03.21
